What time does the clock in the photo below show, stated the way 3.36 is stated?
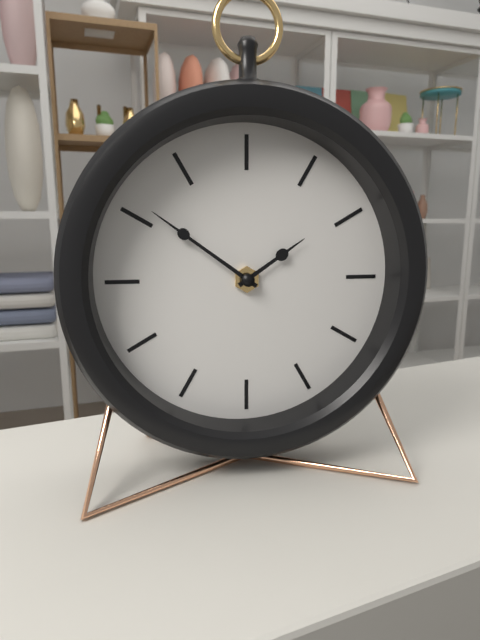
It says 1.51
